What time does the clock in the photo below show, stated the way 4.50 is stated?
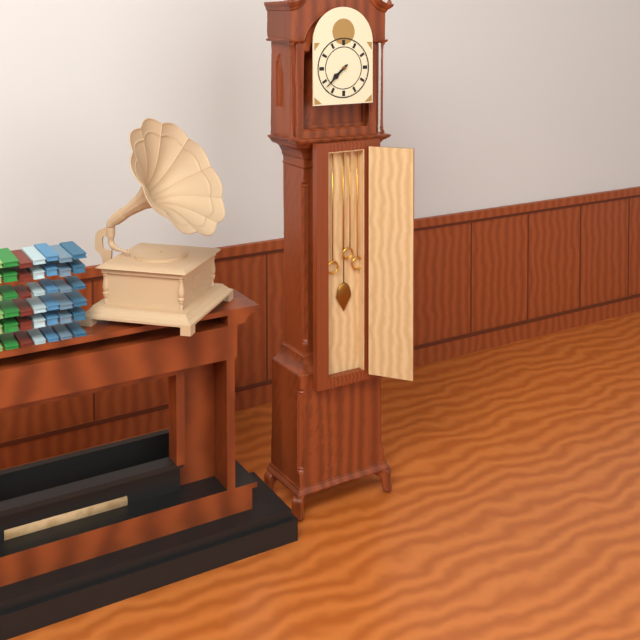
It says 7.38
